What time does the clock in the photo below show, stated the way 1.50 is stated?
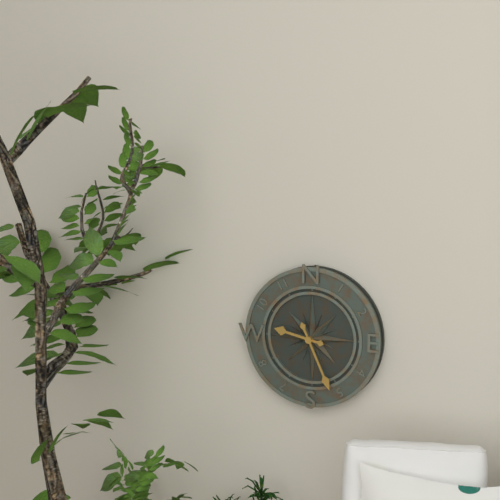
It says 9.26
